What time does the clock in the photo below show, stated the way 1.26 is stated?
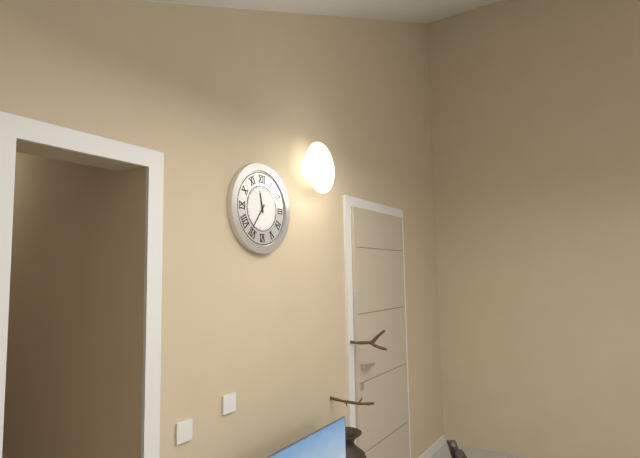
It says 11.36
